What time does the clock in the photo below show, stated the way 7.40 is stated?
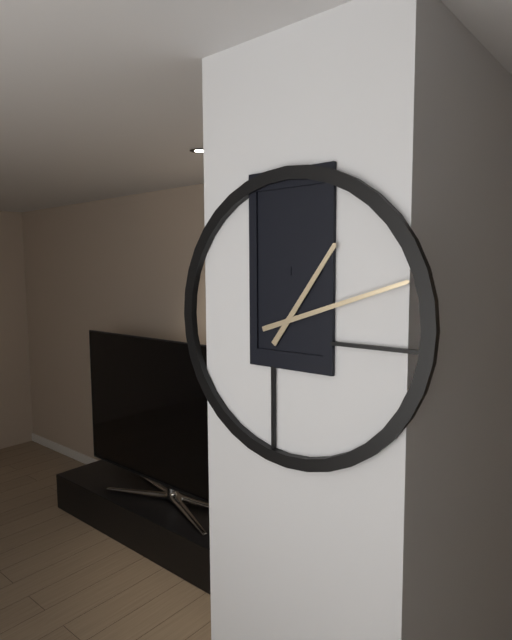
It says 1.12
